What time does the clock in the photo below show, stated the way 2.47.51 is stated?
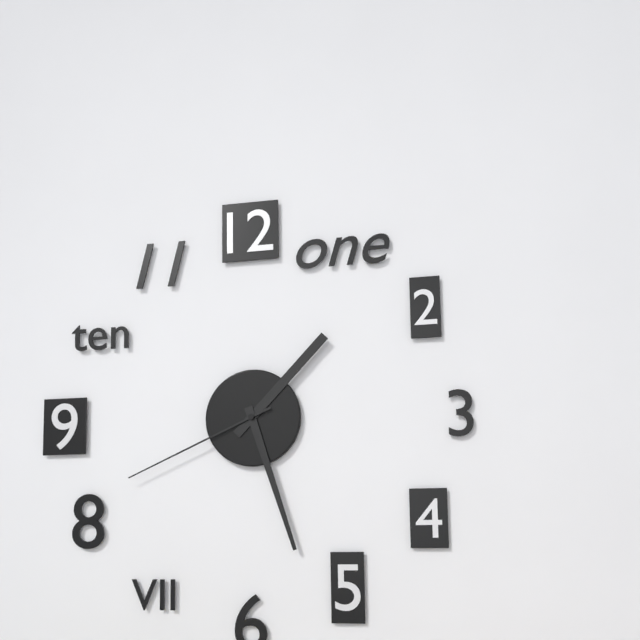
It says 1.27.41
